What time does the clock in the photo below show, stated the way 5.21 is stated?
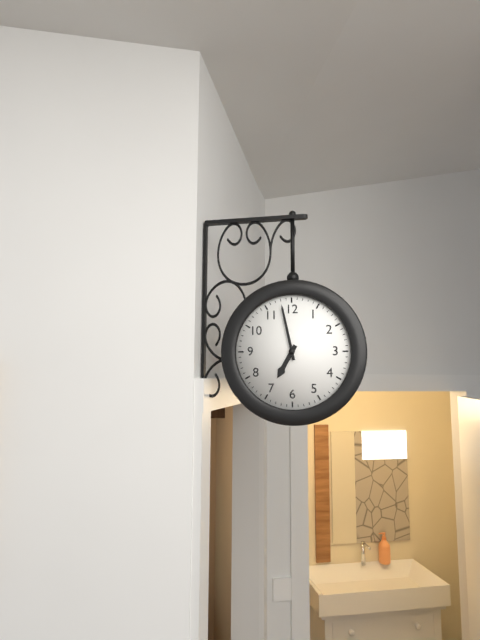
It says 6.58
